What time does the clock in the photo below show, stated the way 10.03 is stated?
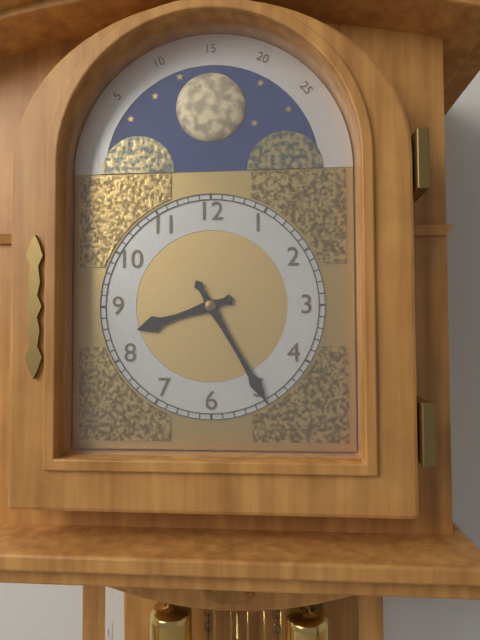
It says 8.25
